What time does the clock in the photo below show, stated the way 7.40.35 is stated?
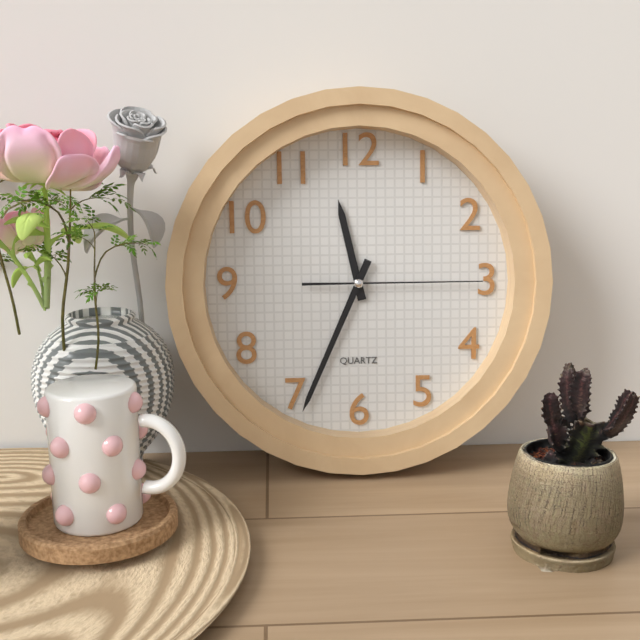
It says 11.34.15
